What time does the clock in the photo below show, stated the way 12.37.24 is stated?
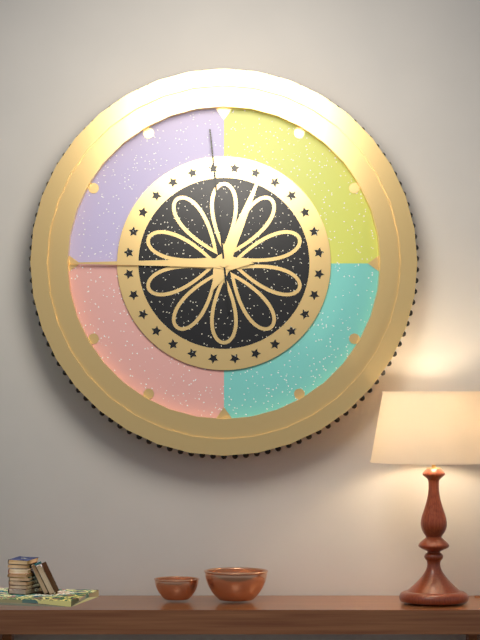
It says 12.45.59
